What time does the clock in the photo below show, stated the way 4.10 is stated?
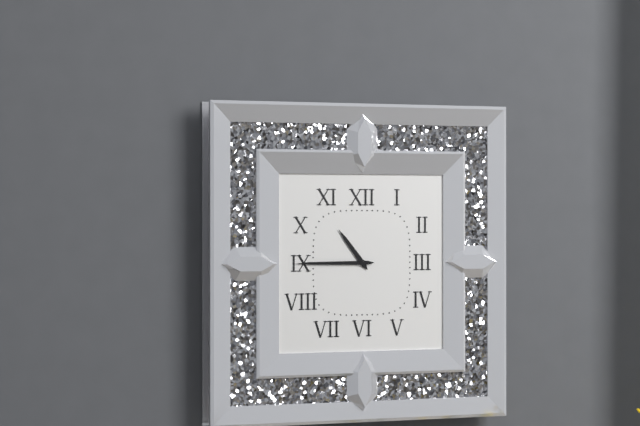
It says 10.45
